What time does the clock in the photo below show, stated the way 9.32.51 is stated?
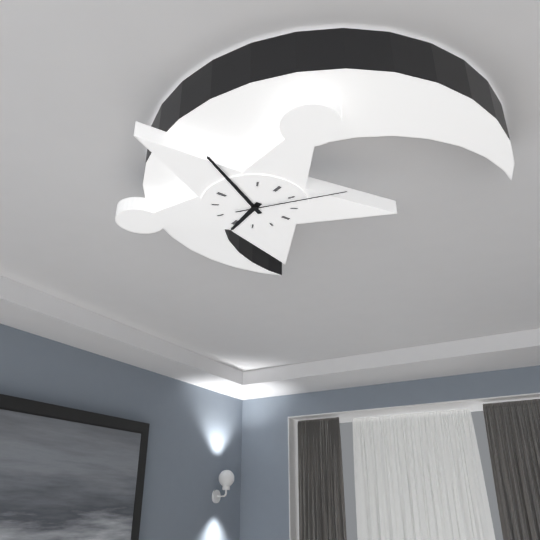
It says 5.50.06
